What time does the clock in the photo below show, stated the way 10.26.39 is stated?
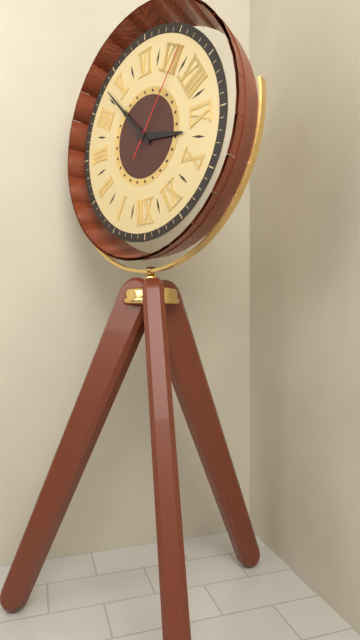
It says 9.23.36
